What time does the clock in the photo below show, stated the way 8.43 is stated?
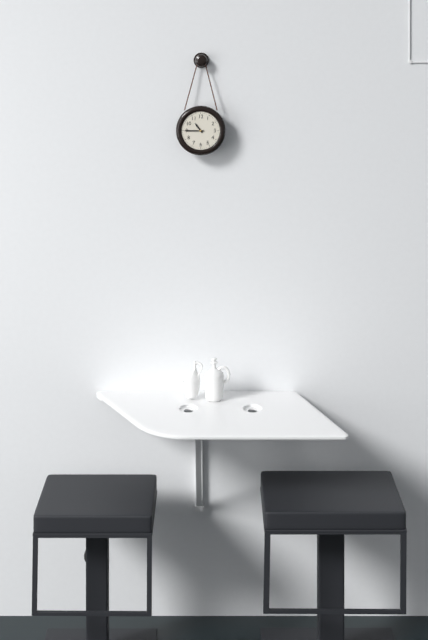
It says 10.45
